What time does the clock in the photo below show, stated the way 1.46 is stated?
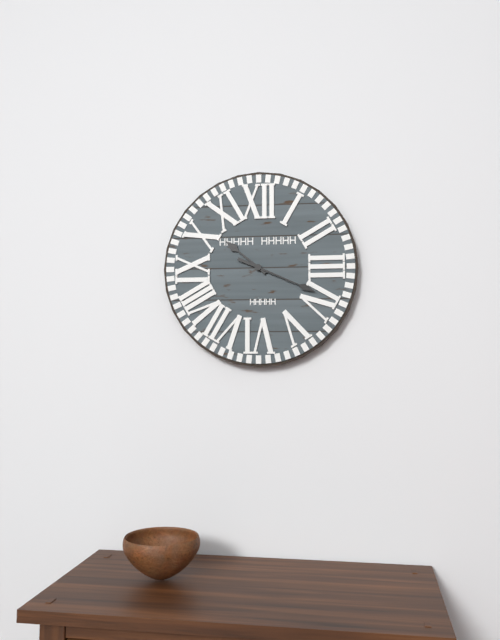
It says 10.19
